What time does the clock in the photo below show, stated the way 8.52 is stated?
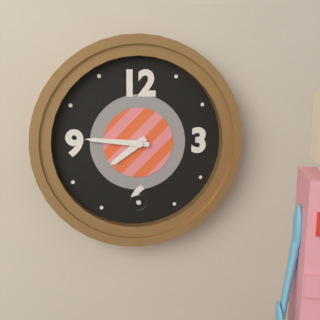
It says 7.46
